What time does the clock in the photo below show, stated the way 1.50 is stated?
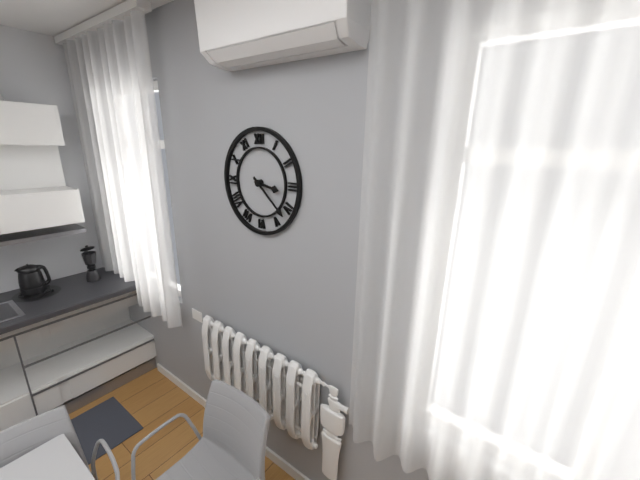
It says 3.22
